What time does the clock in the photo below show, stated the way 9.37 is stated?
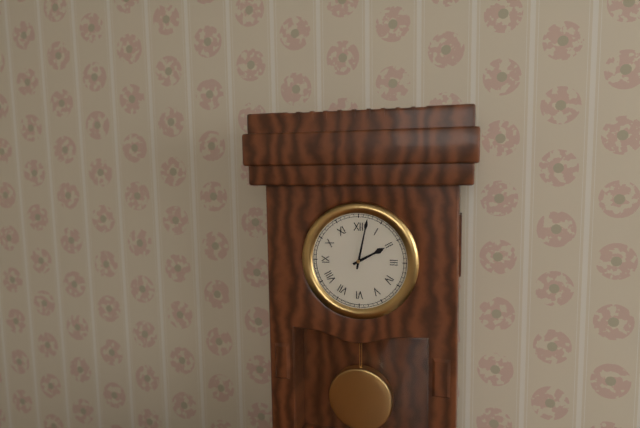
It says 2.02
